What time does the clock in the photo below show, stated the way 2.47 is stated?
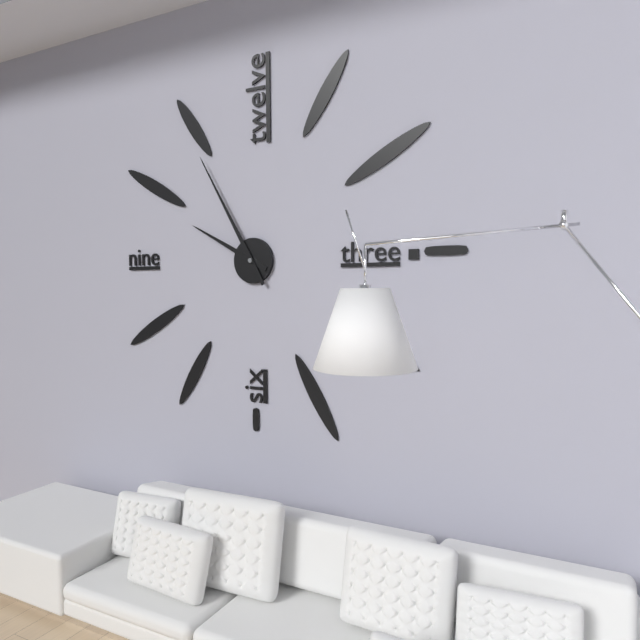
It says 9.55
